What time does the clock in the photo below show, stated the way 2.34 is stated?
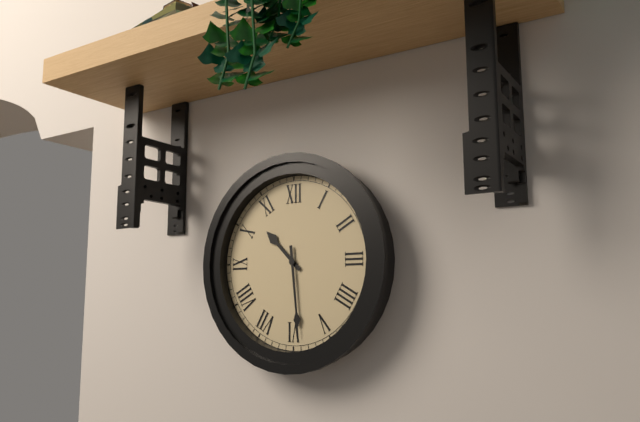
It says 10.29
